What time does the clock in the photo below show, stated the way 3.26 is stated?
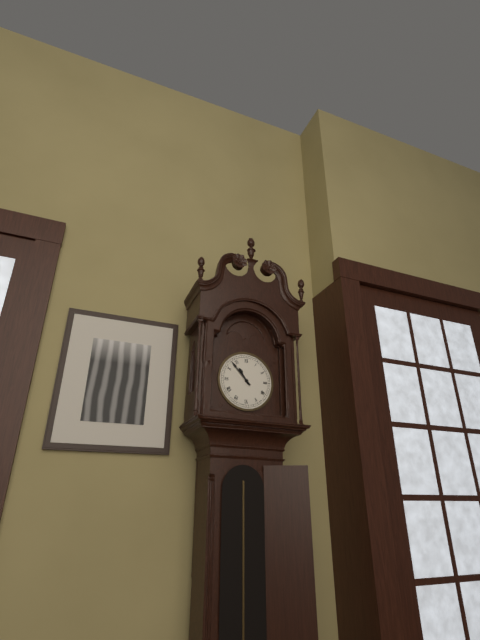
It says 10.53
